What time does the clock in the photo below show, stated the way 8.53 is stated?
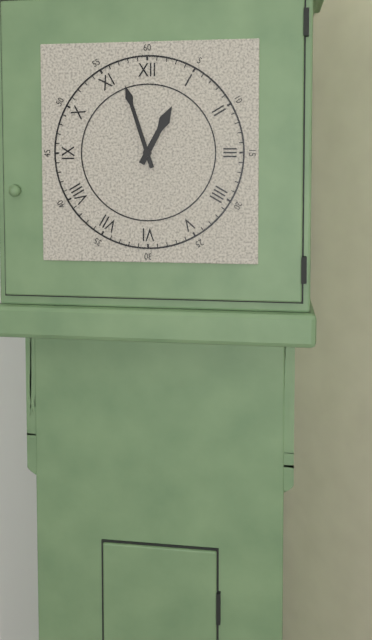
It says 12.57
